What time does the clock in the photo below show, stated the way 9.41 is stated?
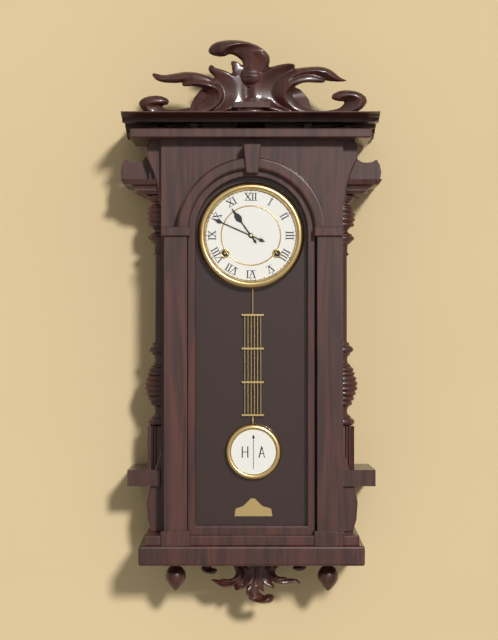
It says 10.49
